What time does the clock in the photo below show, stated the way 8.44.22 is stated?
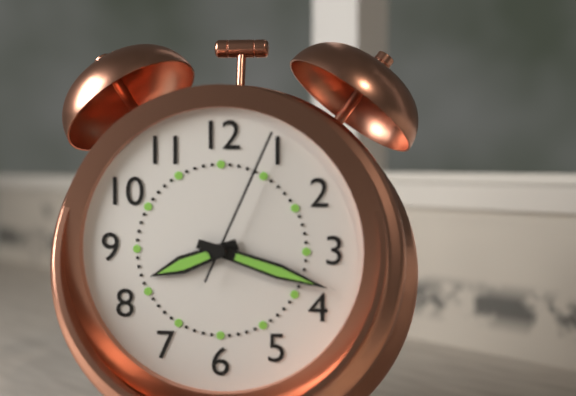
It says 8.18.04
